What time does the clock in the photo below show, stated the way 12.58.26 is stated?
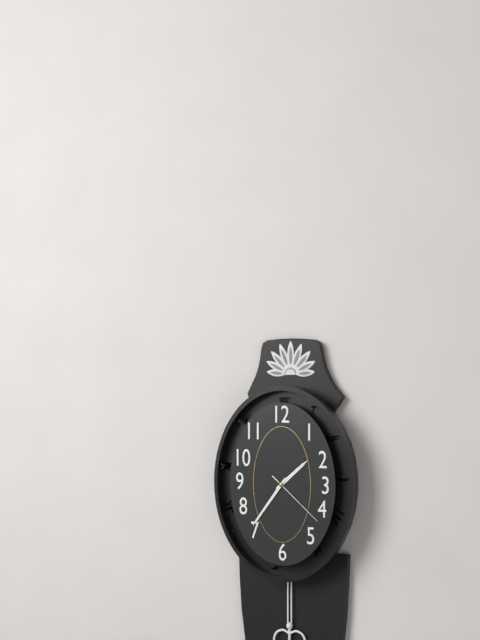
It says 1.36.22
